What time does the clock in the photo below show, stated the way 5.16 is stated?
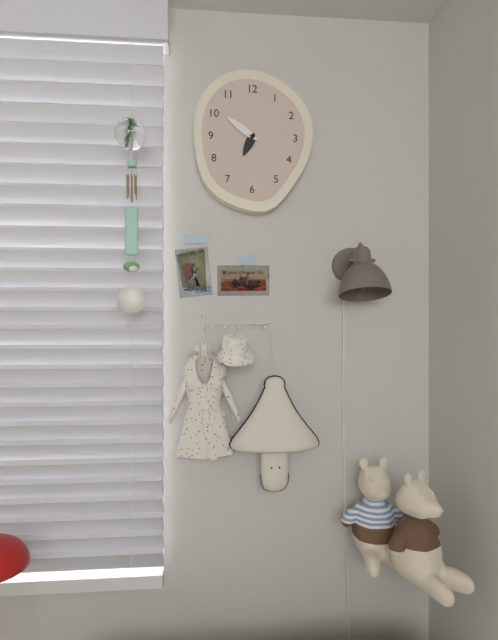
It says 6.51
